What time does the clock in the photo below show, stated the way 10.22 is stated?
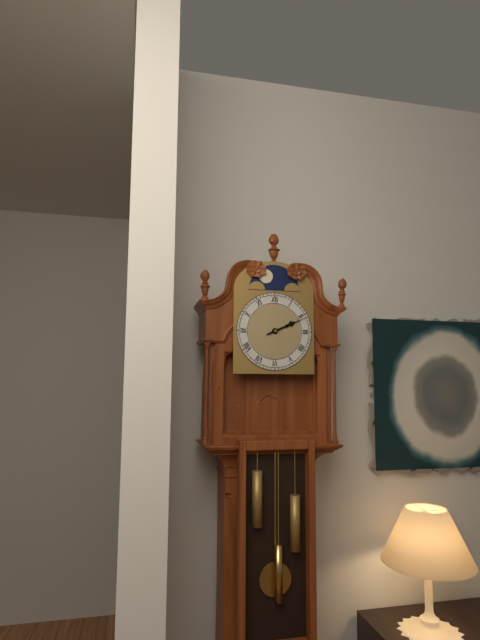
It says 2.11
